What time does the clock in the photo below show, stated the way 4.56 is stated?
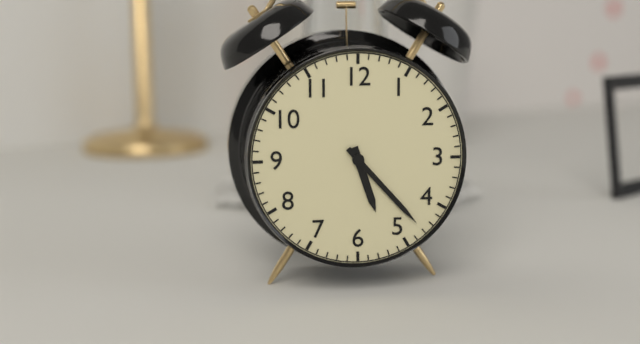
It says 5.23
